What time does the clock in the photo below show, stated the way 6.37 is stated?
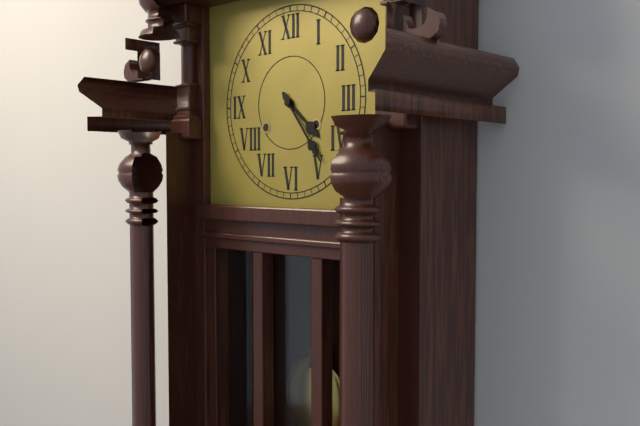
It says 4.24
